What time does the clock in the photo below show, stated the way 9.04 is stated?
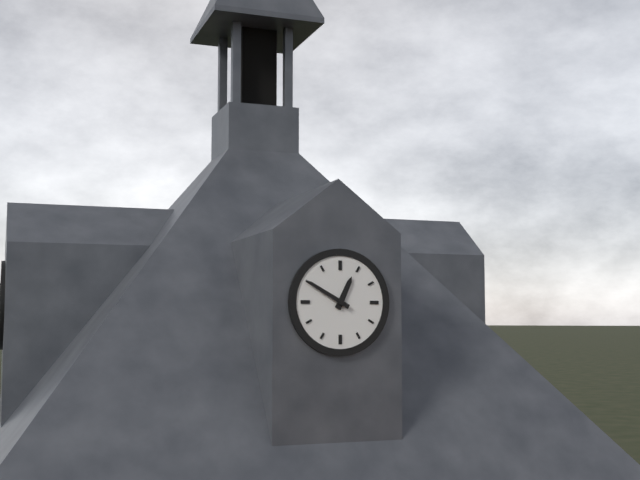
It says 12.50
